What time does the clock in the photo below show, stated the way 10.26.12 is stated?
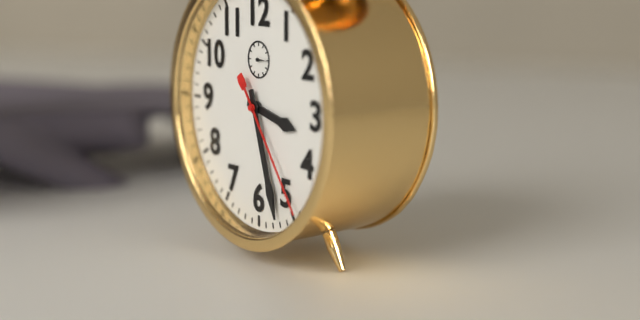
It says 3.27.24
